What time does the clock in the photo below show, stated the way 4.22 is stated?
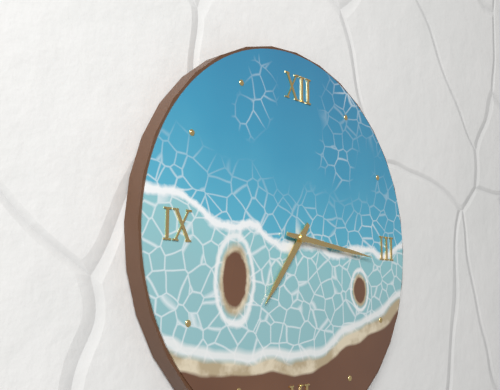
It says 7.16
